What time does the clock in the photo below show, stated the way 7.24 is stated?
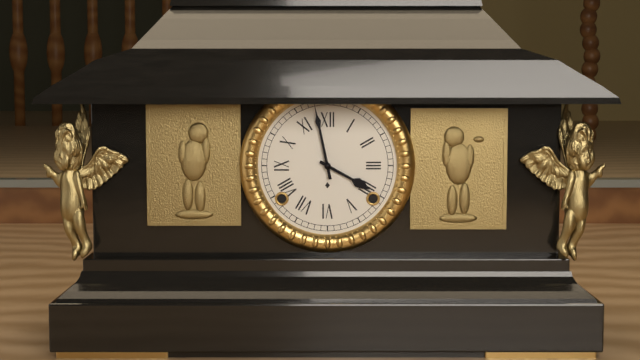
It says 3.58
